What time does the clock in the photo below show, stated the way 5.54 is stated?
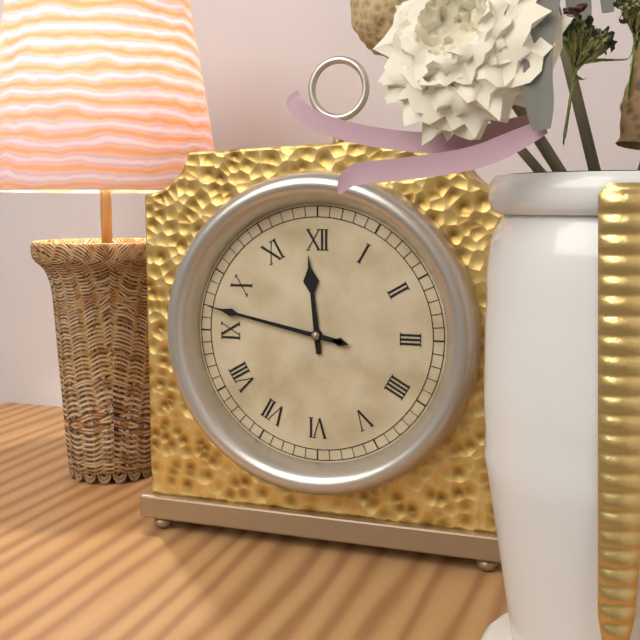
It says 11.47
